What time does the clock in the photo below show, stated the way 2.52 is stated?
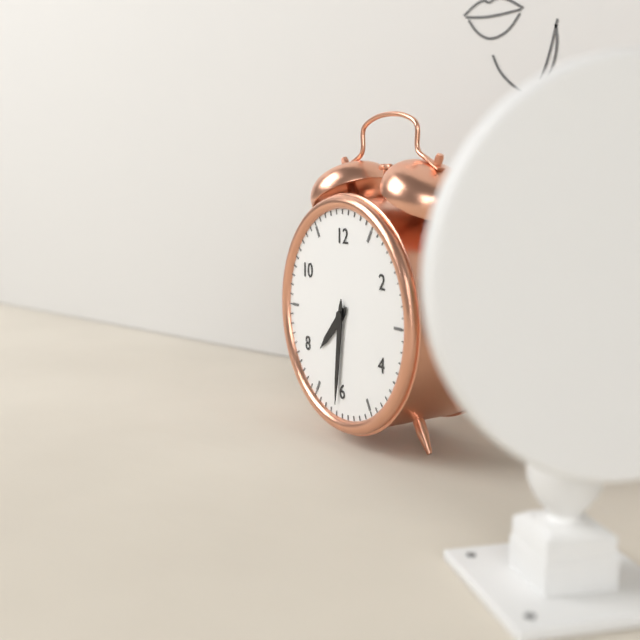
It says 7.31
